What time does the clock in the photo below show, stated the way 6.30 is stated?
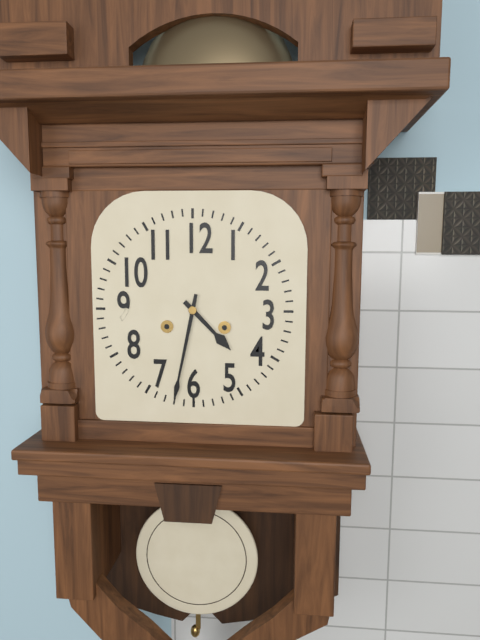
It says 4.32
